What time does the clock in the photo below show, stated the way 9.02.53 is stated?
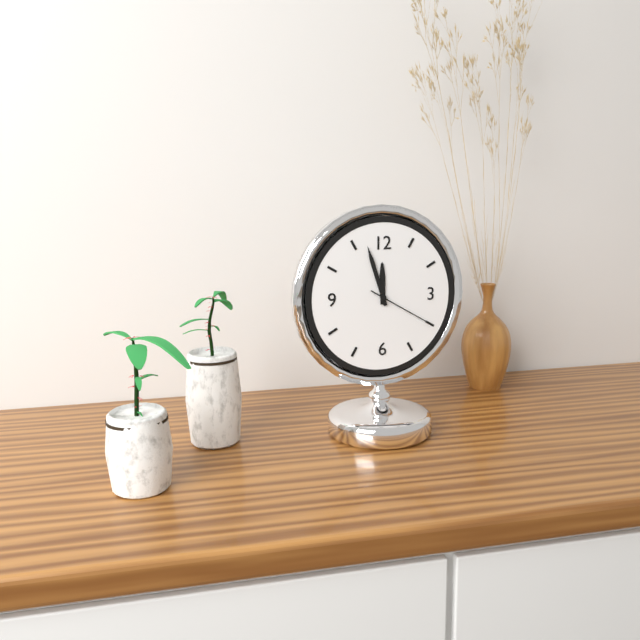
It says 11.57.20
